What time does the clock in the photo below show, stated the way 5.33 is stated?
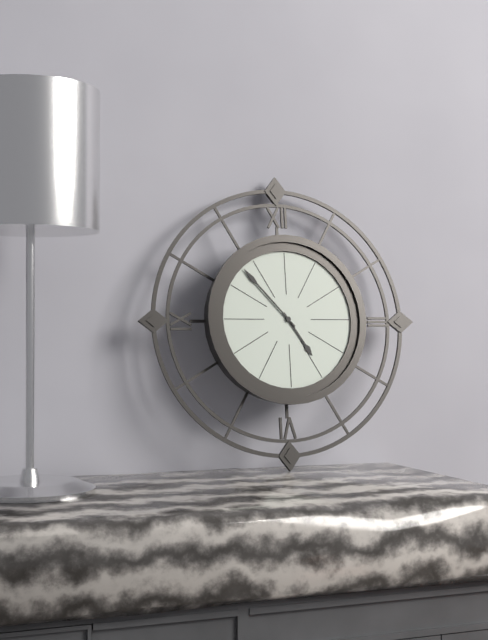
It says 4.53
